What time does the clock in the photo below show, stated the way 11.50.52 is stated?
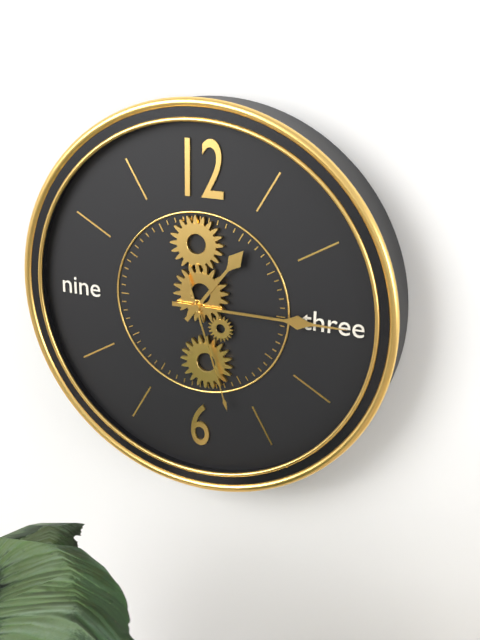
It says 1.15.27
